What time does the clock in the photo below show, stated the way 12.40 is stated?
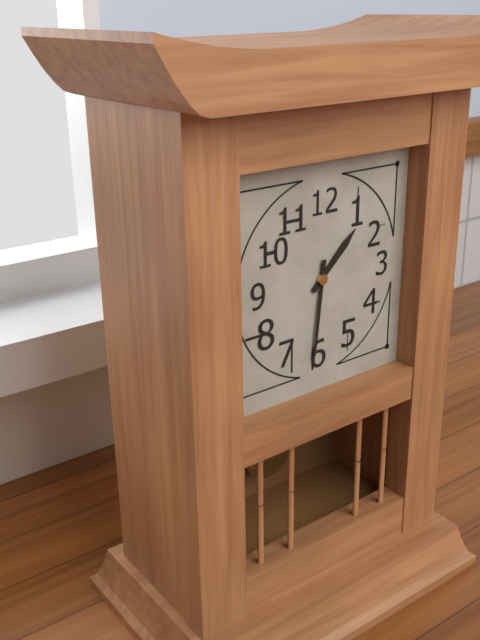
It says 1.31
